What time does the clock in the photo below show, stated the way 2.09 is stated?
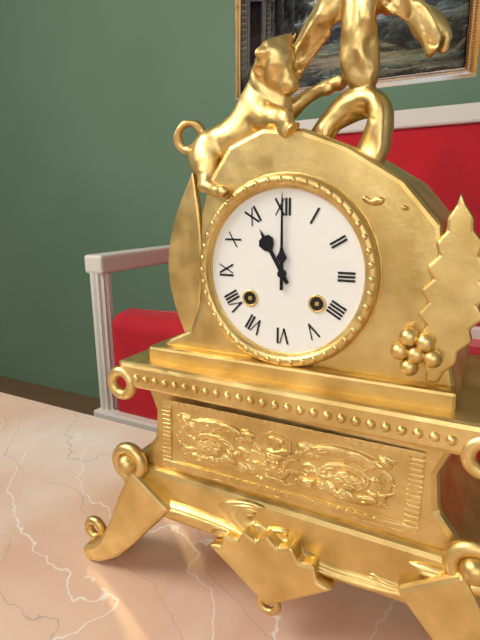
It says 11.00
